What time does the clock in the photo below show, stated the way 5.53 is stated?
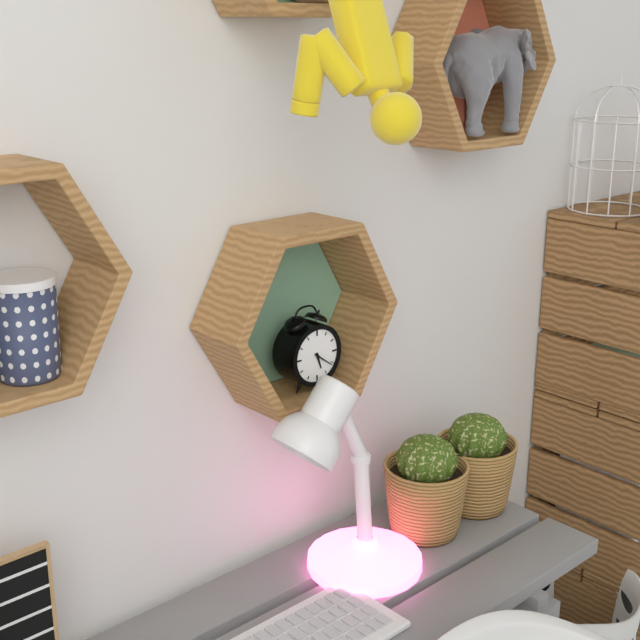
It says 5.21
